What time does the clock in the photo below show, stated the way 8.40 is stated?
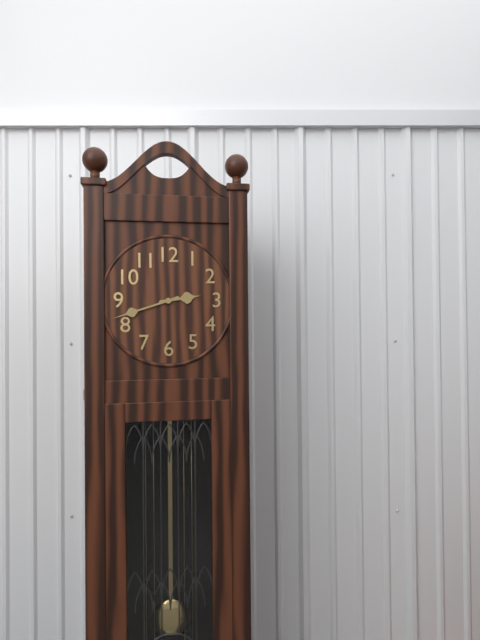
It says 2.42
